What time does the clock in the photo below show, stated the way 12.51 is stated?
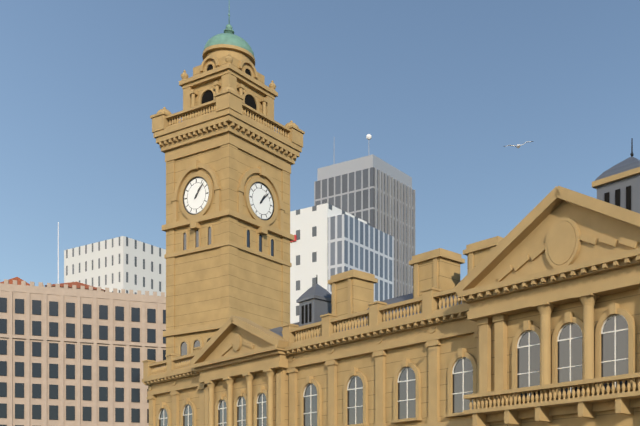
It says 1.07
